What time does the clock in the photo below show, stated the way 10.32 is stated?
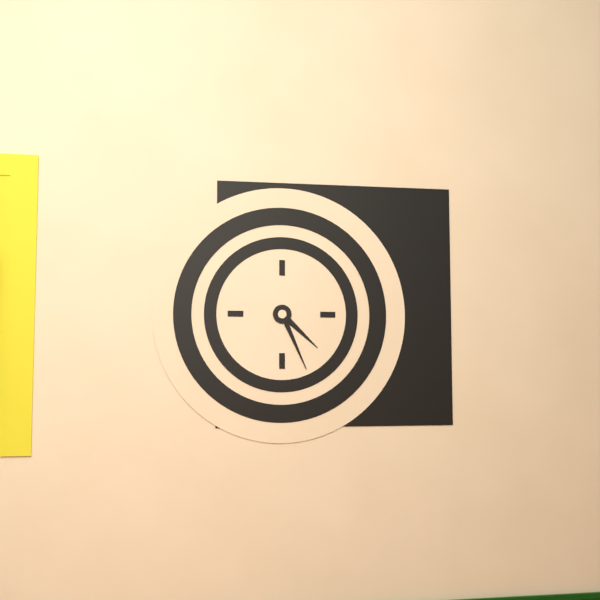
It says 4.26
